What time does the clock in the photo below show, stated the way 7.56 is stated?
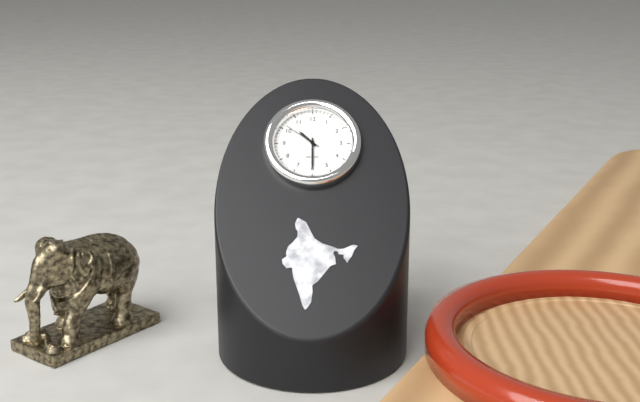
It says 10.30
